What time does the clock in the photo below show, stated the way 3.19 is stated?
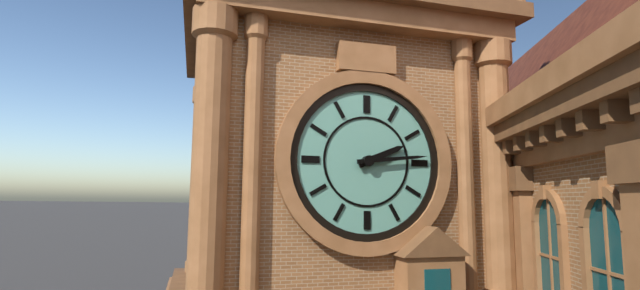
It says 2.14
